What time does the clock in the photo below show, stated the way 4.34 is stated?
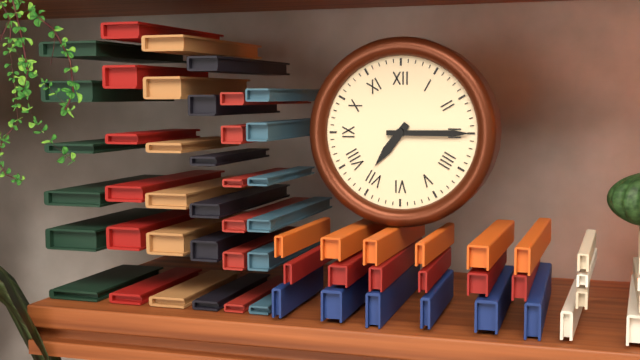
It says 7.15
